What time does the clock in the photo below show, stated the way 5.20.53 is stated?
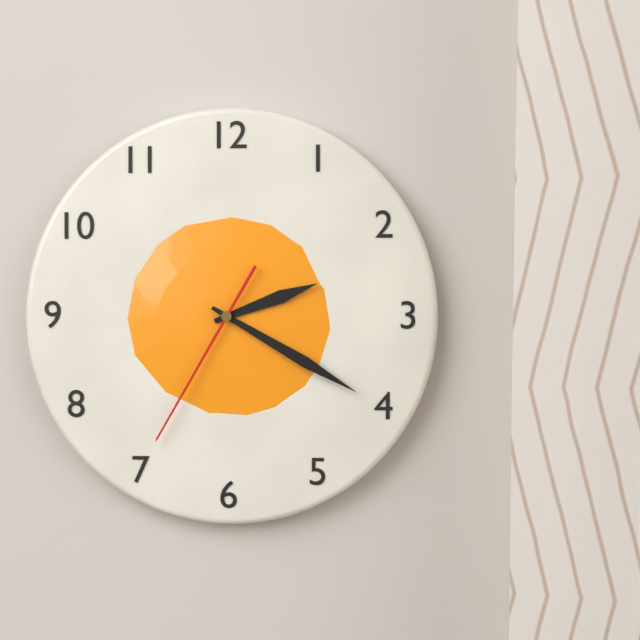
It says 2.20.35
